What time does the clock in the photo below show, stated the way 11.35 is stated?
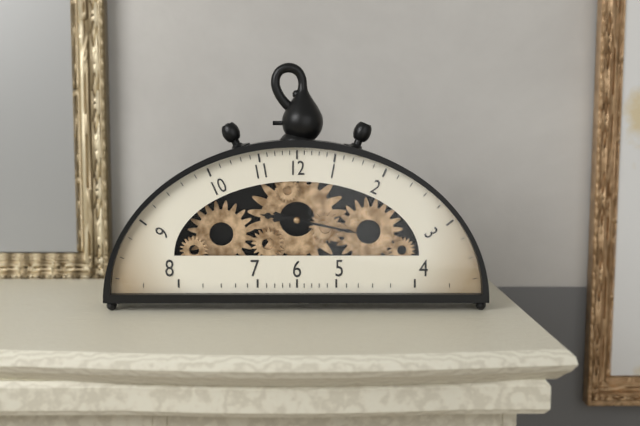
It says 9.17
